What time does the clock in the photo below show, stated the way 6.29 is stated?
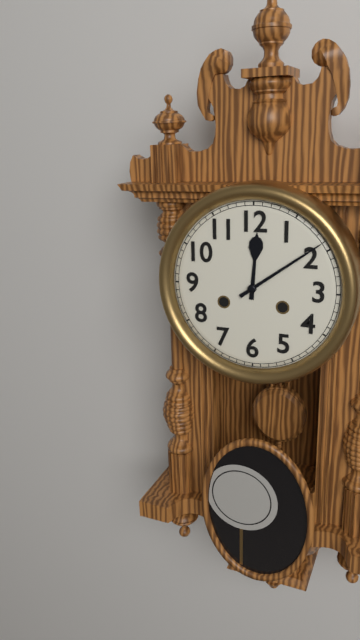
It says 12.09
